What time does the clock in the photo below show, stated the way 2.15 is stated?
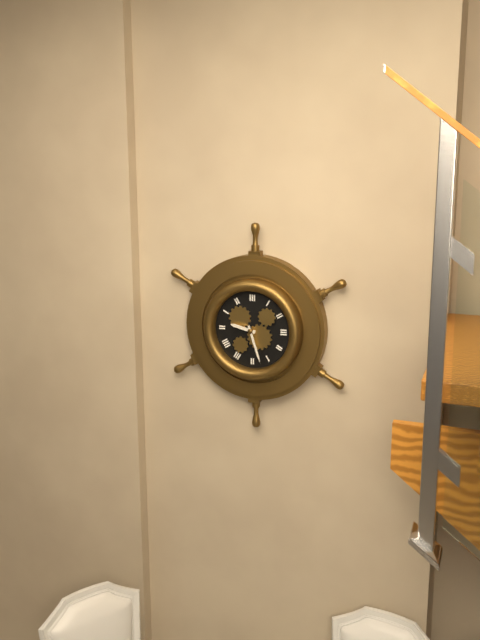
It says 9.27
